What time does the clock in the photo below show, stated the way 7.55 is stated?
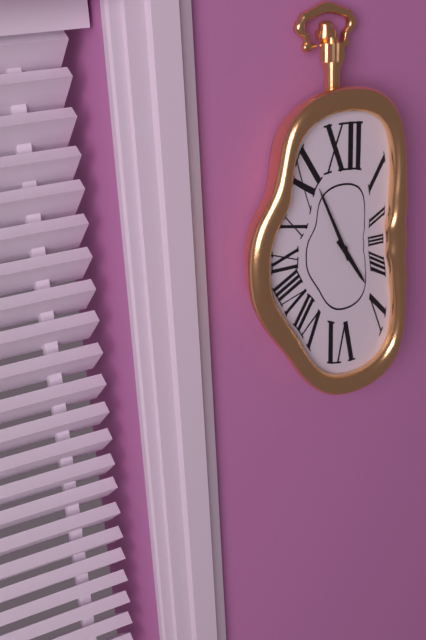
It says 4.56
